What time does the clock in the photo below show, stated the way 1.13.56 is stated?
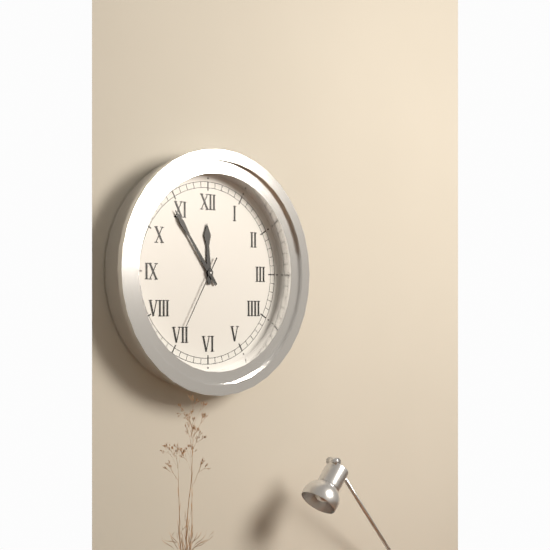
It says 11.54.35
